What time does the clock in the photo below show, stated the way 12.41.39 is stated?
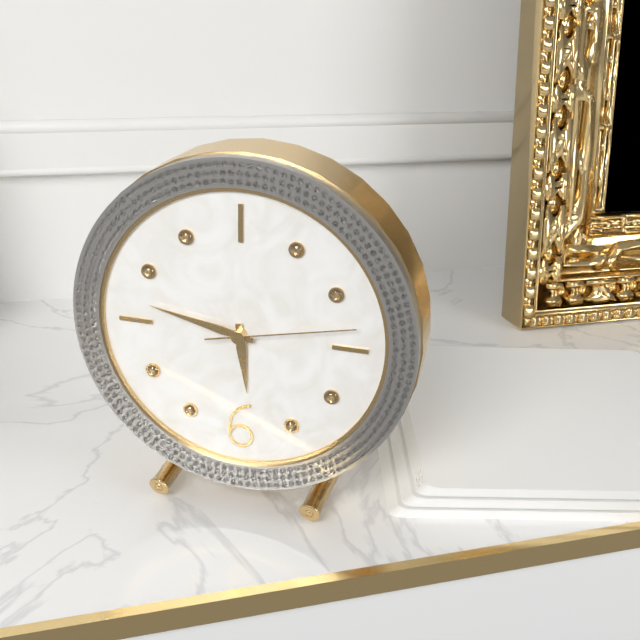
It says 5.47.13
